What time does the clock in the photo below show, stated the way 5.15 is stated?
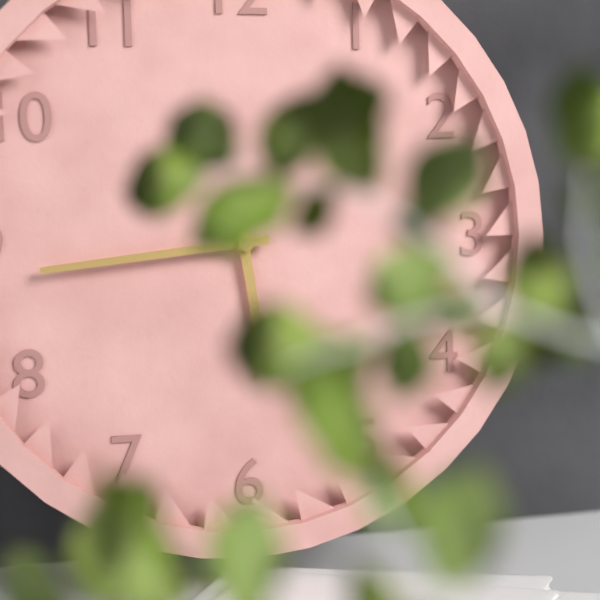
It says 5.44
